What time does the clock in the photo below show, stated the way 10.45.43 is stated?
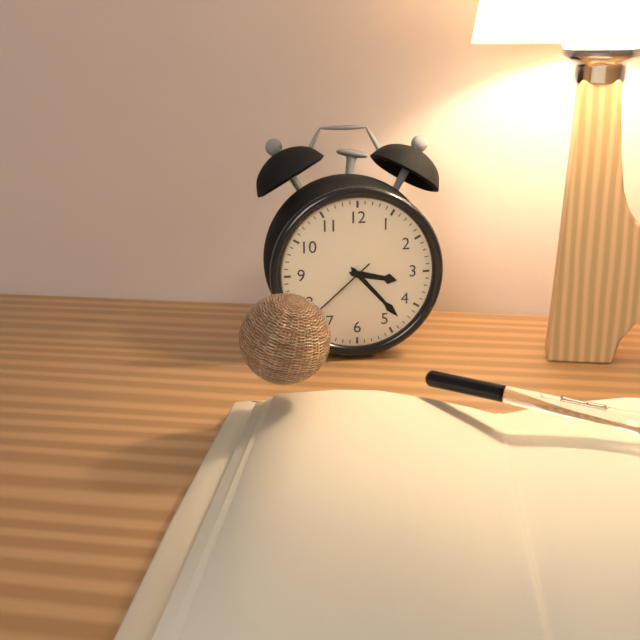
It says 3.23.38
